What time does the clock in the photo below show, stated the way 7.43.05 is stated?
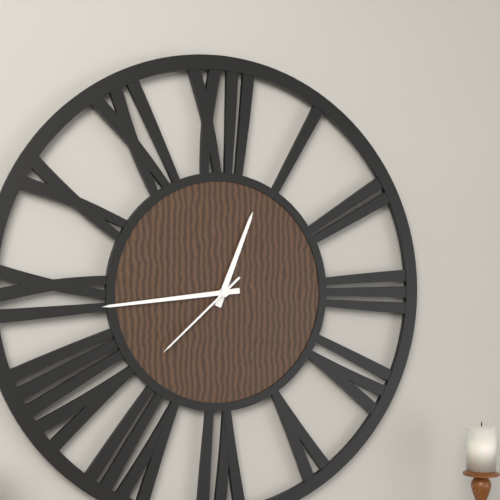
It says 12.44.38
